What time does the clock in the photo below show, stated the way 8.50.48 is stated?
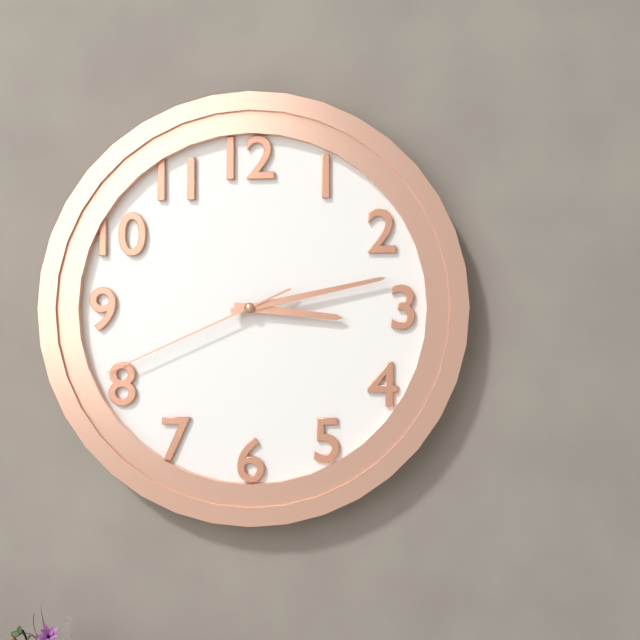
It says 3.13.41
